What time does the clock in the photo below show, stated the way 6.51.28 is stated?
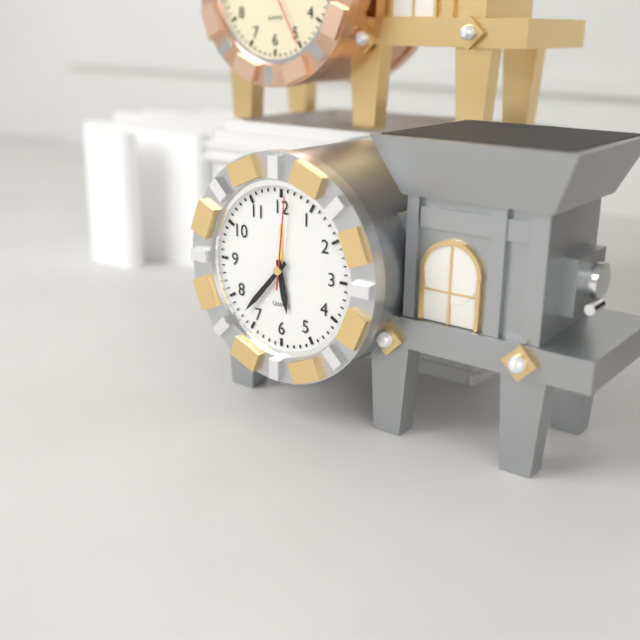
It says 5.37.01
